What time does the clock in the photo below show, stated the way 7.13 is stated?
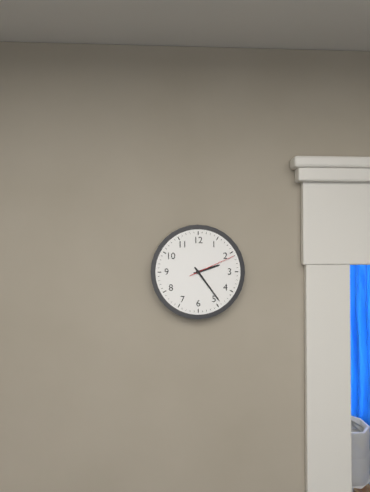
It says 2.24
